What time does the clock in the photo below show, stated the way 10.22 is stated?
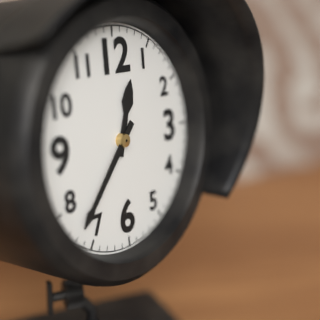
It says 12.37
